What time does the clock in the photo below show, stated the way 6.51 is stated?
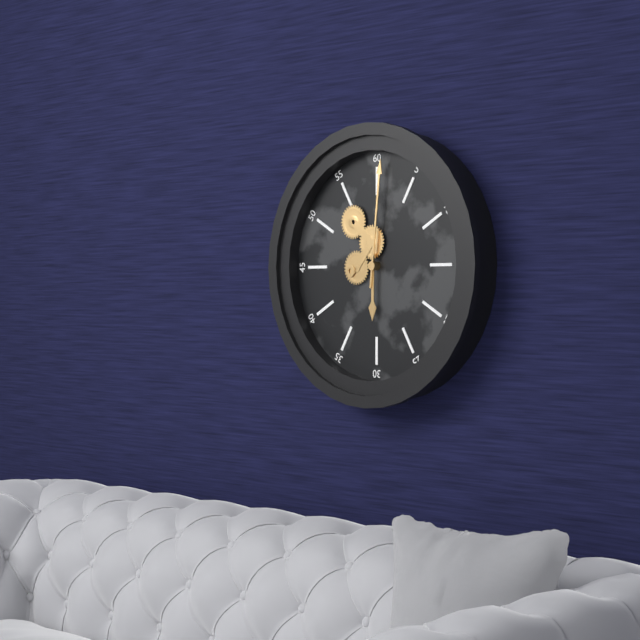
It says 6.01
